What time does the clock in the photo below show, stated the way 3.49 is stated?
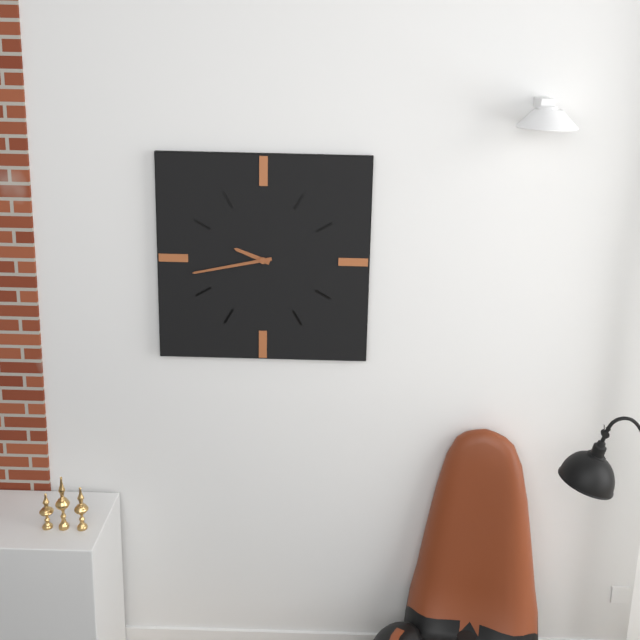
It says 9.43
